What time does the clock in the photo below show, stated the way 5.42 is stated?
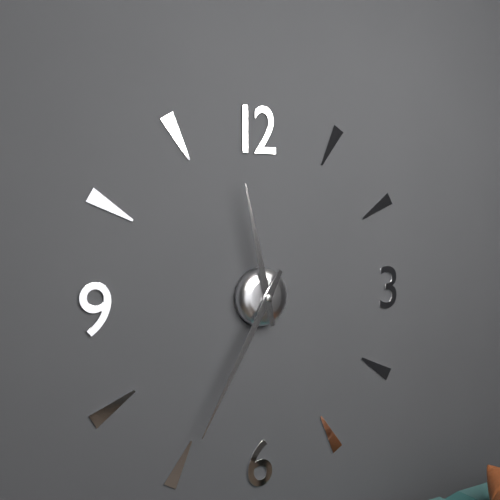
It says 11.35
